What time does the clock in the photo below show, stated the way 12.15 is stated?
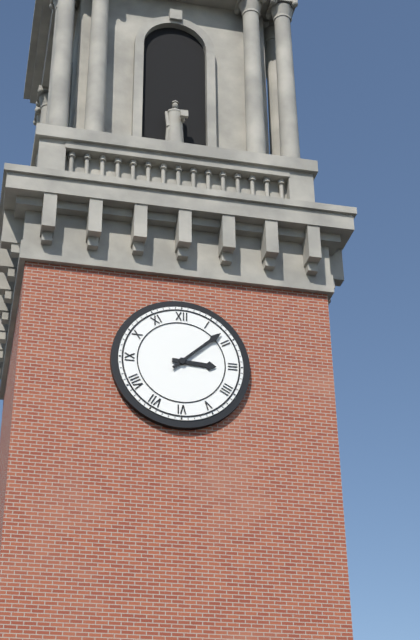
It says 3.08
